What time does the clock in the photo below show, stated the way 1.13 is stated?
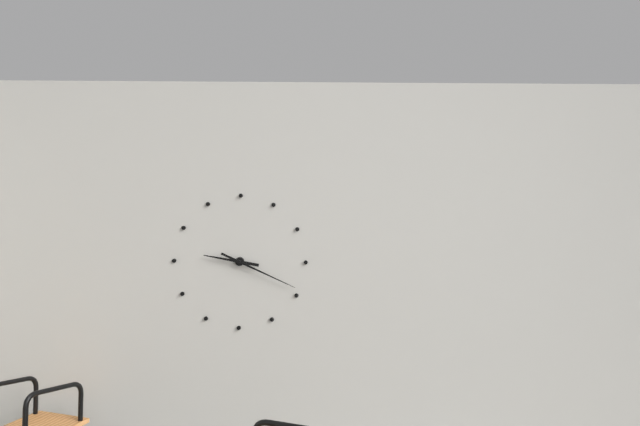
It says 9.19
